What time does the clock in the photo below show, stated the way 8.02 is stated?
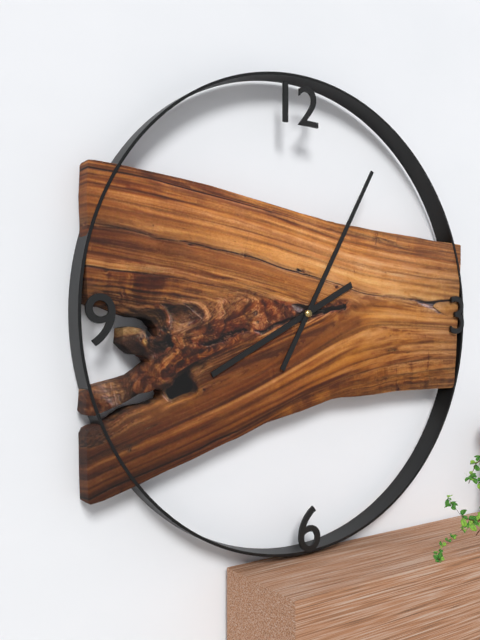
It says 8.05
